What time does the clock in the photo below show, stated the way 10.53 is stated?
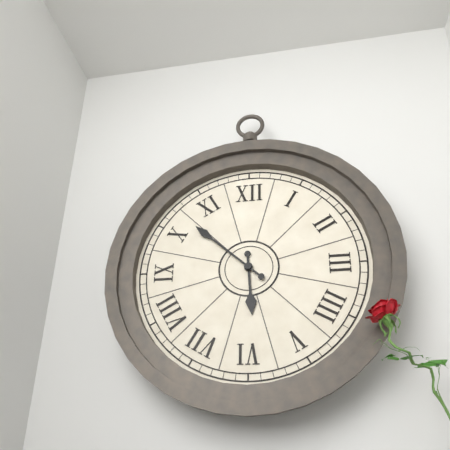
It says 5.52
